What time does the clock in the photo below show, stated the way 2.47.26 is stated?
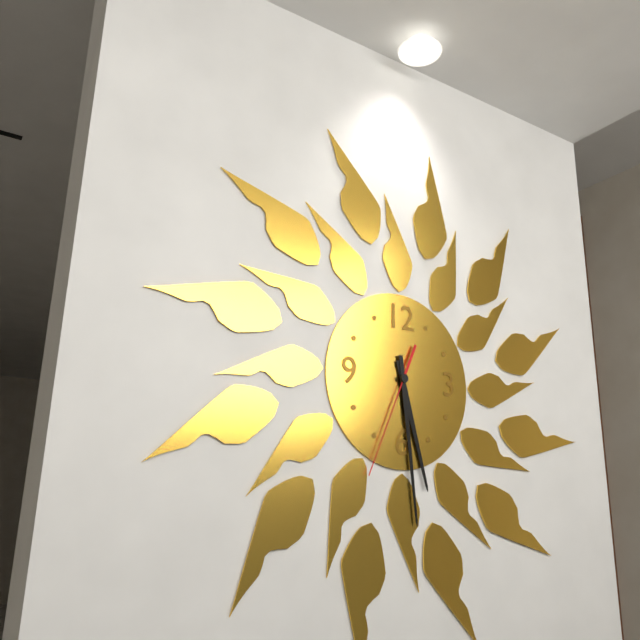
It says 5.29.34
